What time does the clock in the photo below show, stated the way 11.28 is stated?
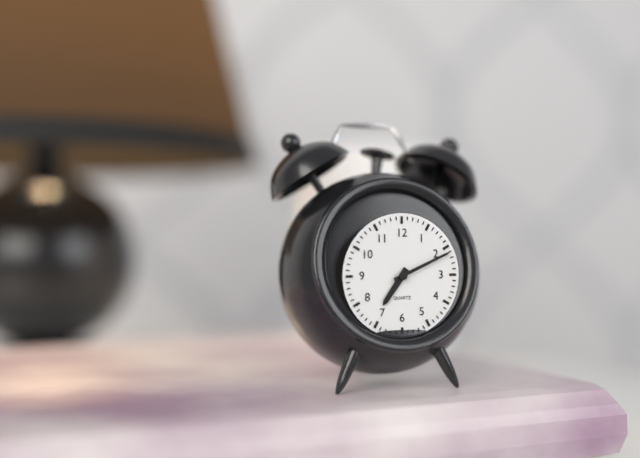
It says 7.11
